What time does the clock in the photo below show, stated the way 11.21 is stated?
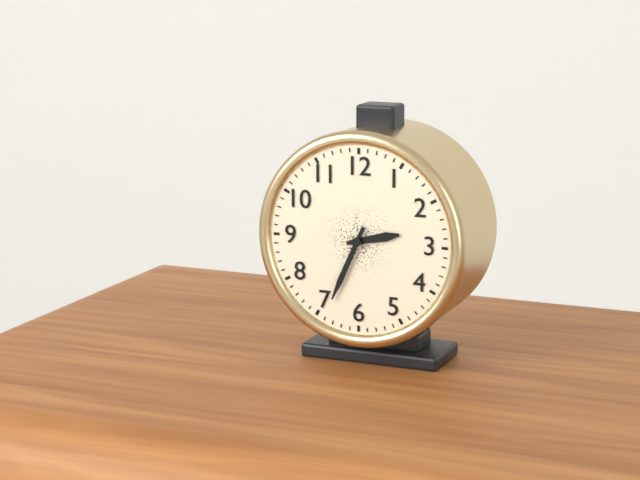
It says 2.34
